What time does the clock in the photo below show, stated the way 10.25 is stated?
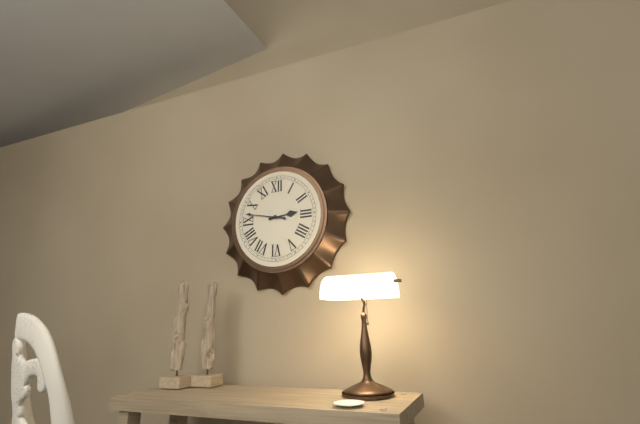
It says 2.47
